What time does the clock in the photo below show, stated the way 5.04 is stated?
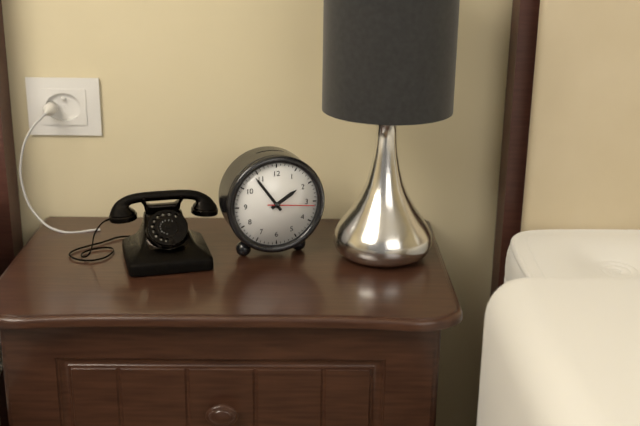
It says 1.54
